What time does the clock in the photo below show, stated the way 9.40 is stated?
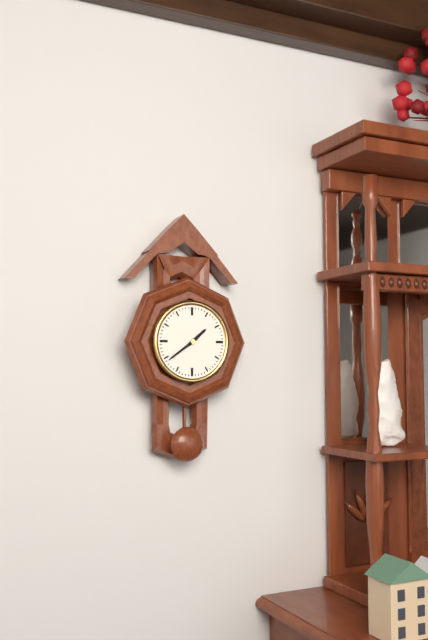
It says 1.39
